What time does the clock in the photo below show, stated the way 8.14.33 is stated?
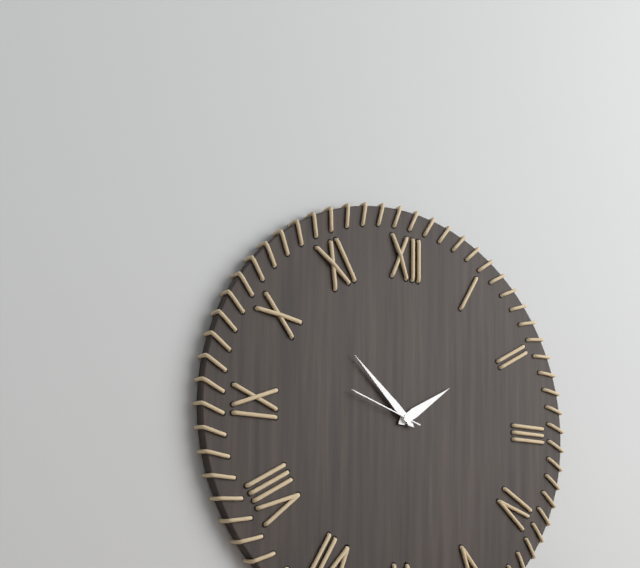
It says 1.52.48
